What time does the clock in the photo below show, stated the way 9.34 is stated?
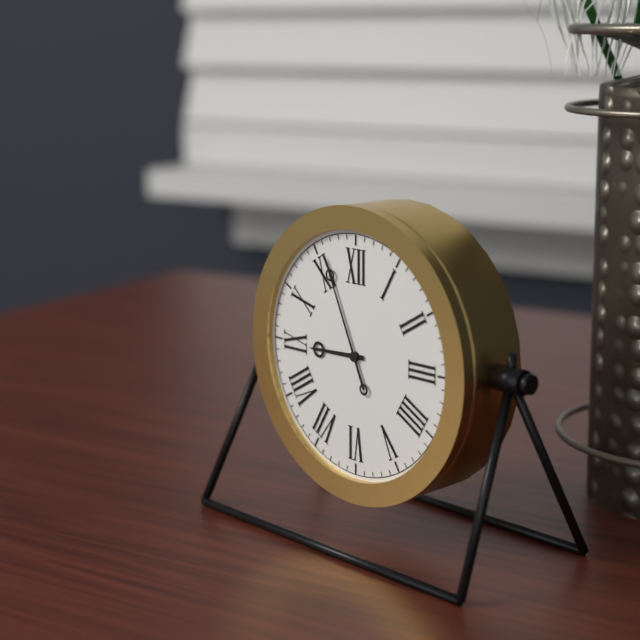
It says 8.56
